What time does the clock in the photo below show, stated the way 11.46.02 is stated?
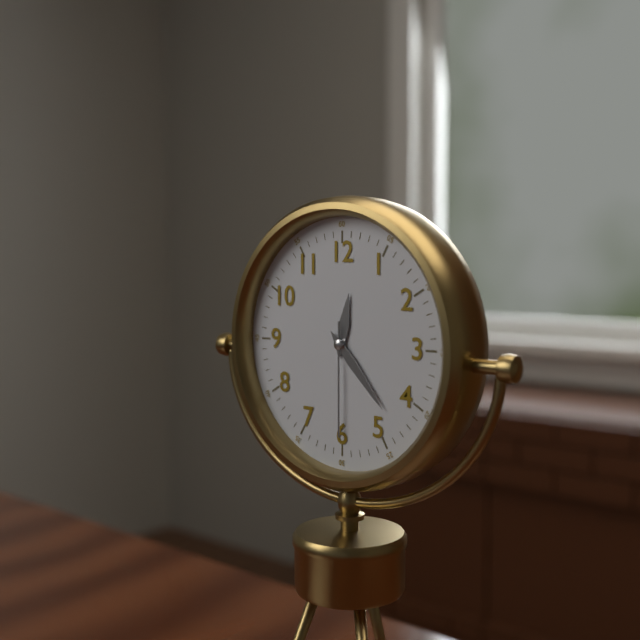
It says 12.23.30
